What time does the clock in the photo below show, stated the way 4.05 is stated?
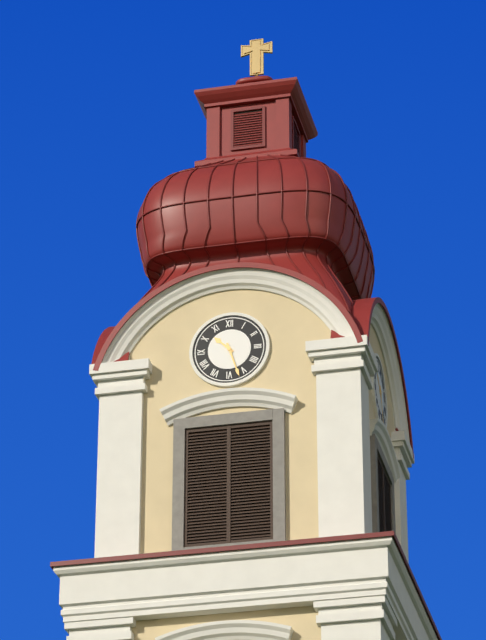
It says 10.27
